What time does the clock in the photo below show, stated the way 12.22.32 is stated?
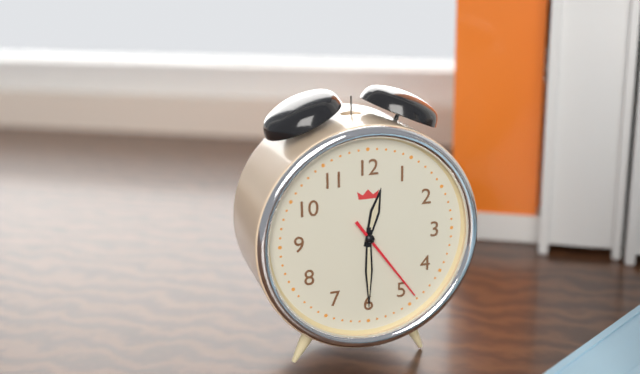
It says 12.30.24
